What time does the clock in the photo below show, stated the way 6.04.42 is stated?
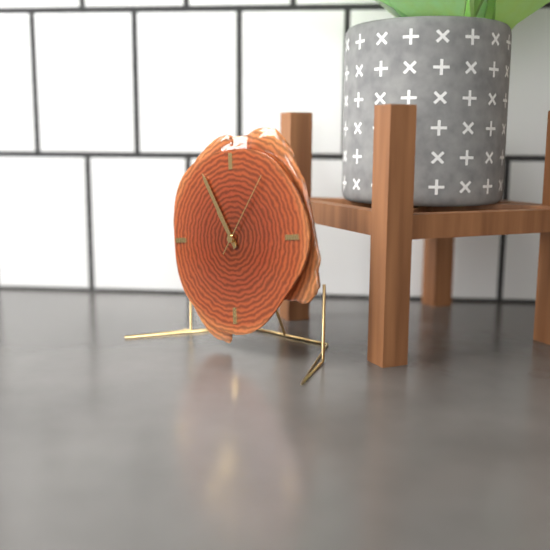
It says 10.55.06
